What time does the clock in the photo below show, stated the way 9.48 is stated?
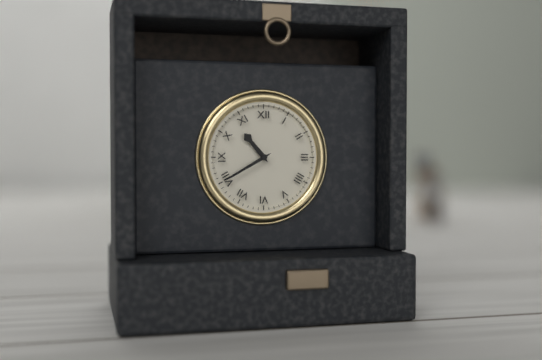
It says 10.40
